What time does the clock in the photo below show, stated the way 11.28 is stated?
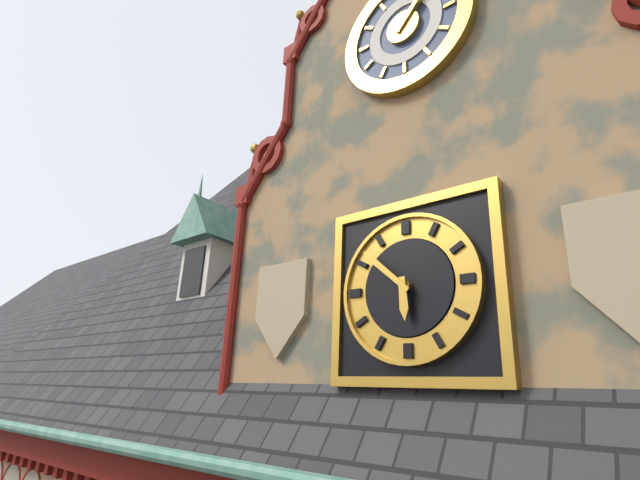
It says 5.52
